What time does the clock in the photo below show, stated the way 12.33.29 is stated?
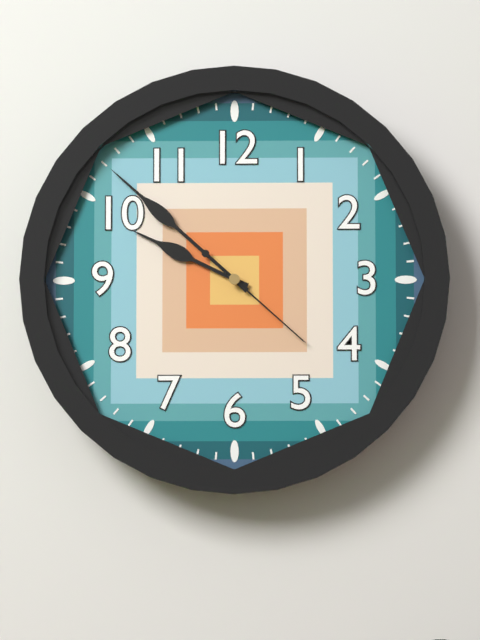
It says 9.52.22
